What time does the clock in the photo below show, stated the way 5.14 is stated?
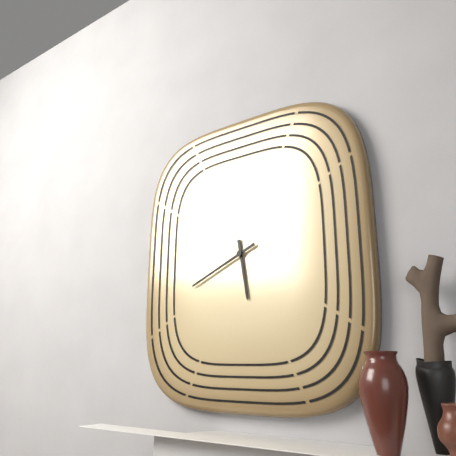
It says 5.41
